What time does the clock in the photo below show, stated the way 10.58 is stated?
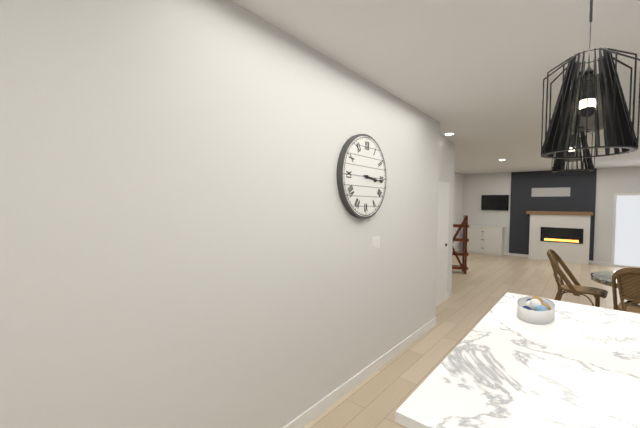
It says 3.16
